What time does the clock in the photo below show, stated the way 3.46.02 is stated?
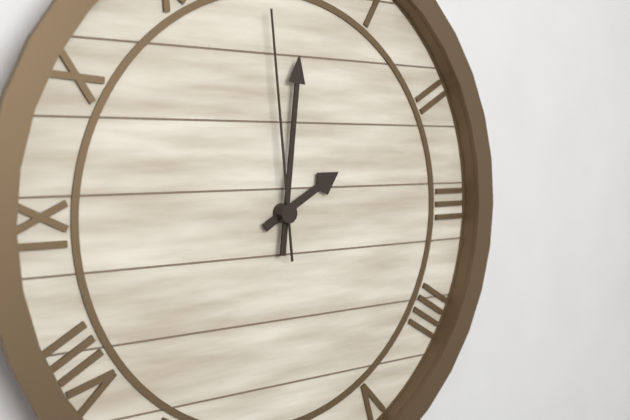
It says 2.01.59
